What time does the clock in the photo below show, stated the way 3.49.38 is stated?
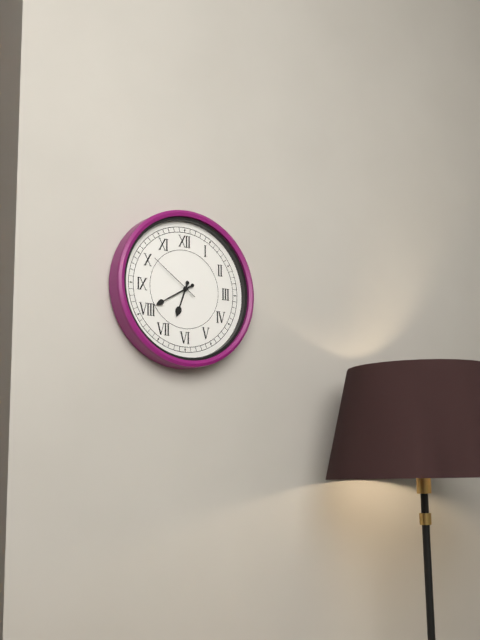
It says 6.40.51
